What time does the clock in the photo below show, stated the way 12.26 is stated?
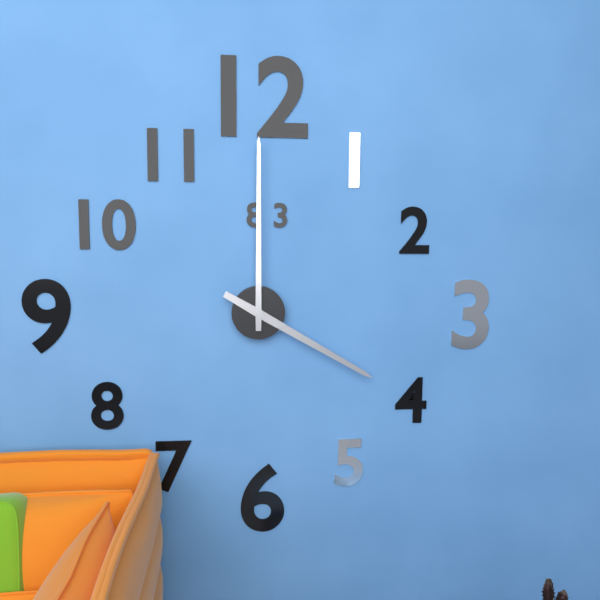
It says 4.00
